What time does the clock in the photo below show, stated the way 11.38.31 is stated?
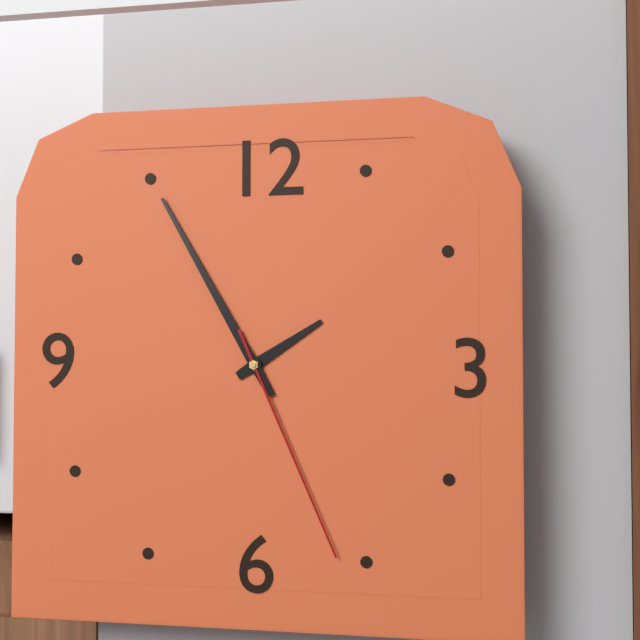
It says 1.55.26
